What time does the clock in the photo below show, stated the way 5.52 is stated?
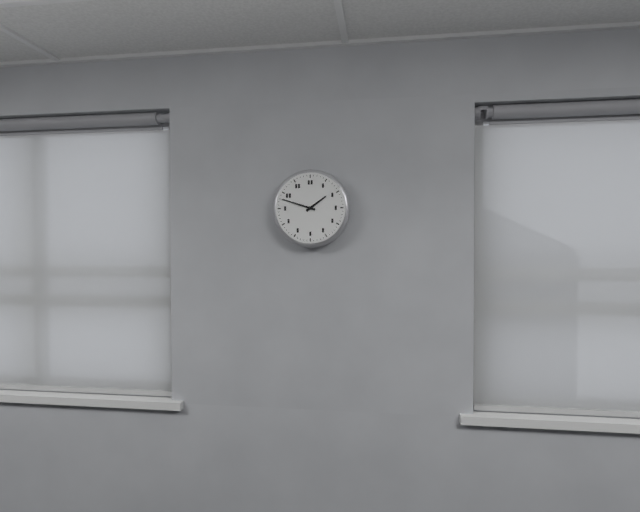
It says 1.48
